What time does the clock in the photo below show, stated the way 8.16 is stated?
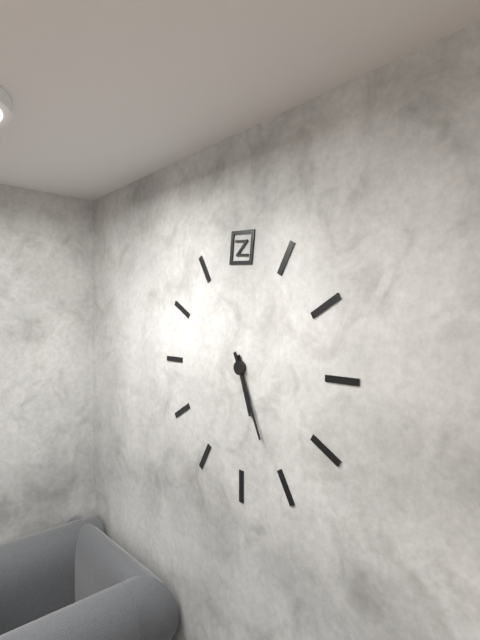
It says 5.26
